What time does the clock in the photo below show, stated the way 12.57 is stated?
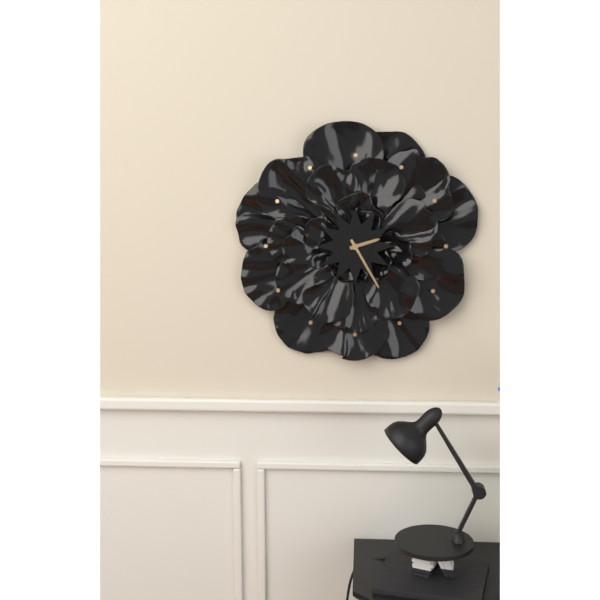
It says 2.25
